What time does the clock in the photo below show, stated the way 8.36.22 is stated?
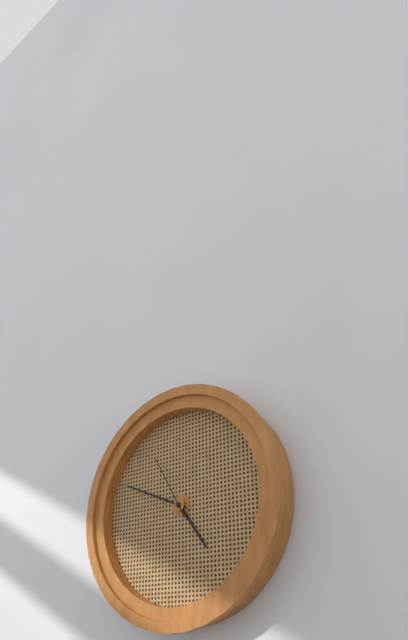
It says 4.49.55
